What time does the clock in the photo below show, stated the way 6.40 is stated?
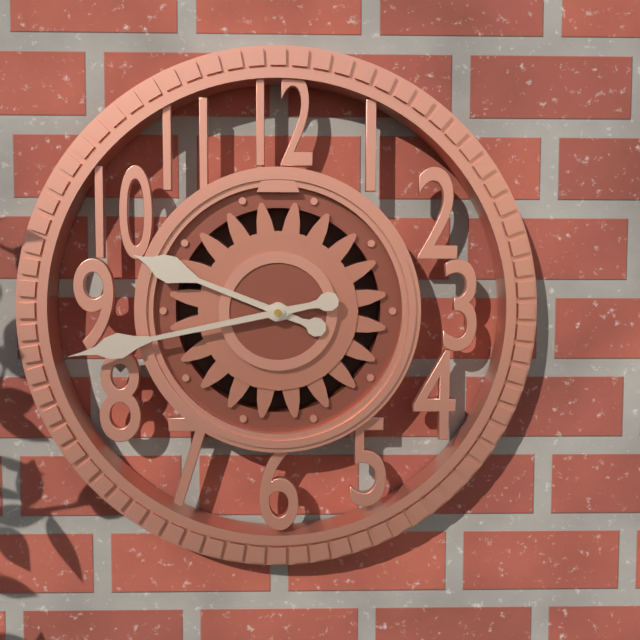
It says 9.43
